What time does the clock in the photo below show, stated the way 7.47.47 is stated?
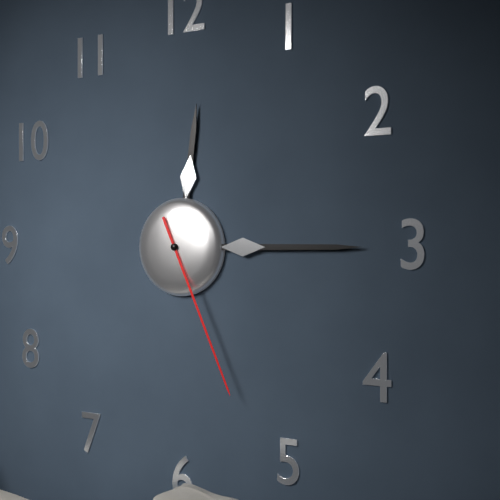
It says 12.15.26
